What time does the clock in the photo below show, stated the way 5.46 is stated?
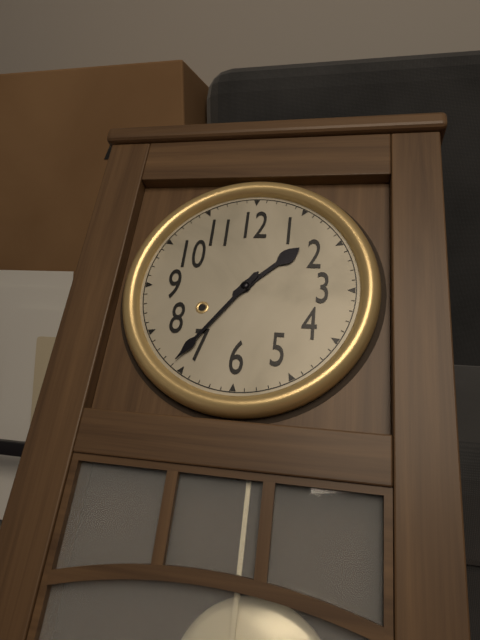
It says 1.36
